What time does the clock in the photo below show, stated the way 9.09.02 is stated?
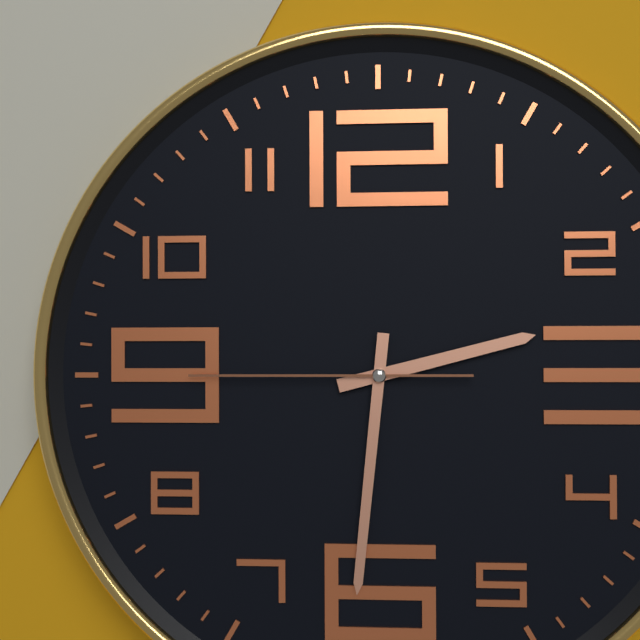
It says 2.31.45
